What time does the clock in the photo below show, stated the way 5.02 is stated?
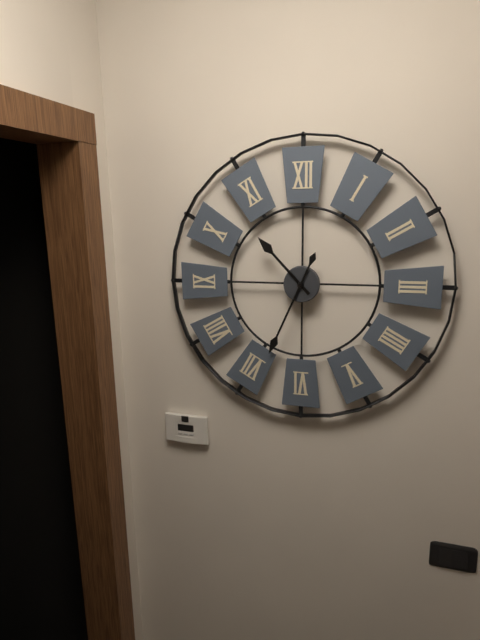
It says 10.34
